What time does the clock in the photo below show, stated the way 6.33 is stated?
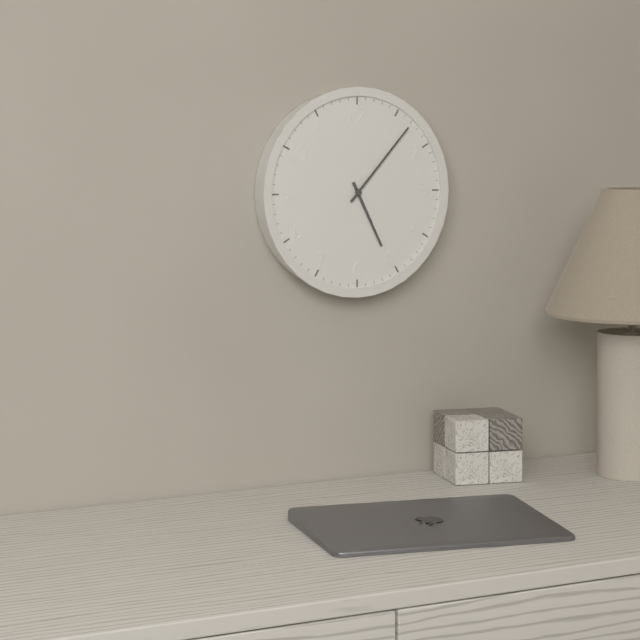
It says 5.07
